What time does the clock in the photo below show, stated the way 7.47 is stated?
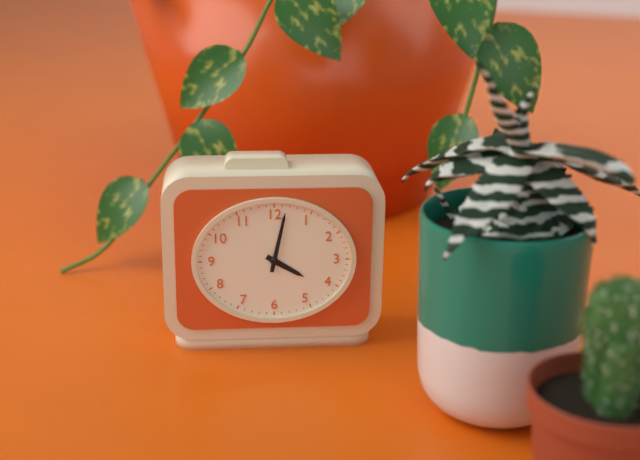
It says 4.02
